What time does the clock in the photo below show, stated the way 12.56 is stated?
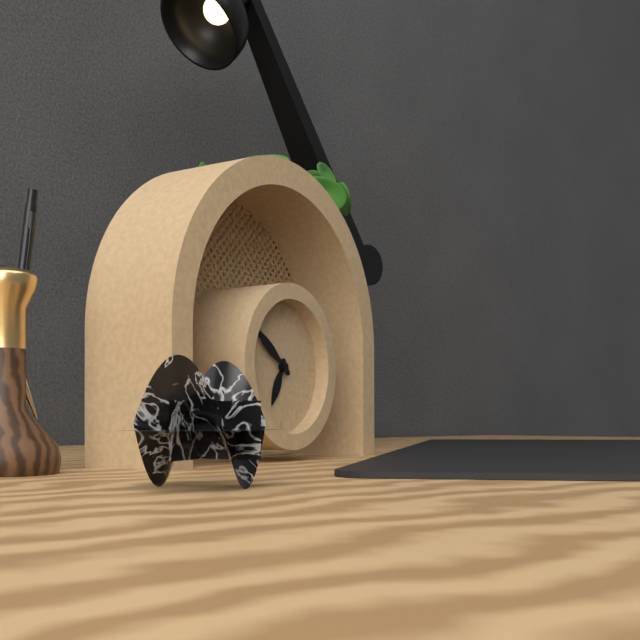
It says 6.51
